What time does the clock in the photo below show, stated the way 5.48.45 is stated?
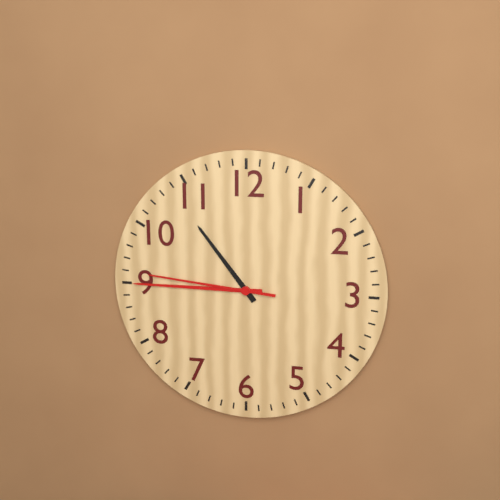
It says 10.45.46
